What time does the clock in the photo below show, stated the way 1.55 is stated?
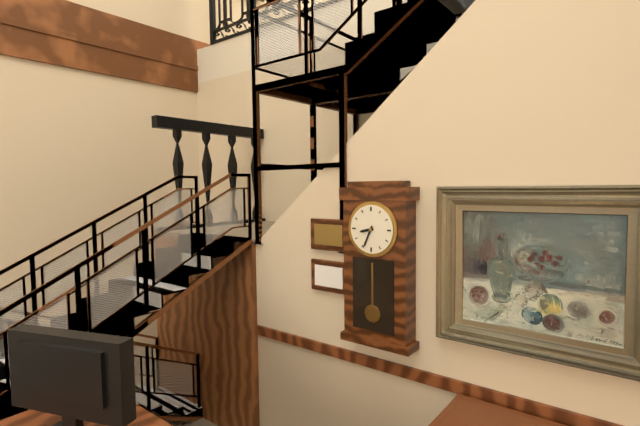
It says 8.34
